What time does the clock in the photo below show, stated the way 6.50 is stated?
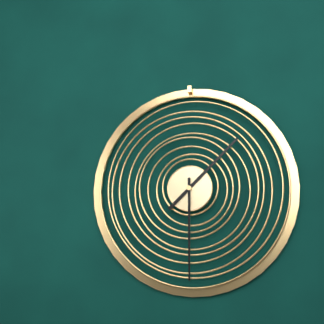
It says 1.30
